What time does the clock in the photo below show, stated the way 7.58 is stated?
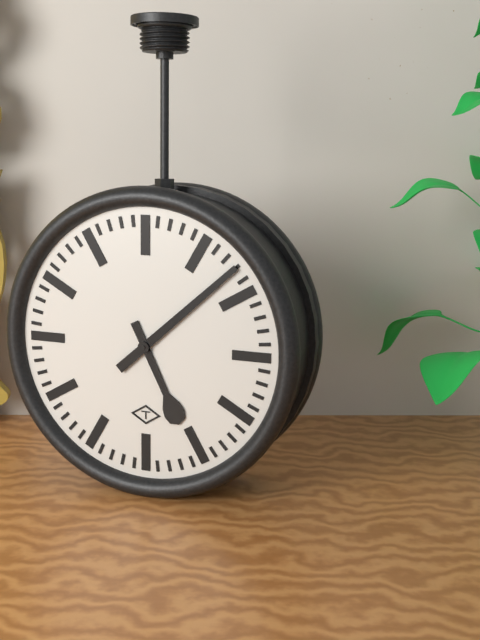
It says 5.08
